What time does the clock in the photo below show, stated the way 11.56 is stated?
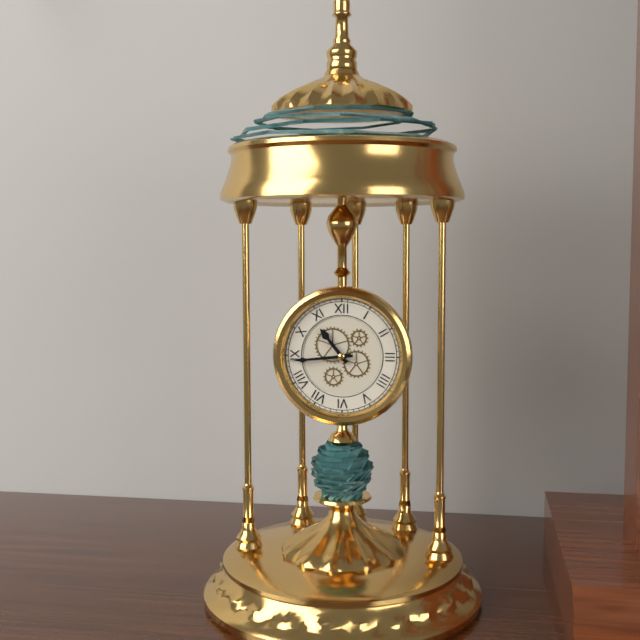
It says 10.44
